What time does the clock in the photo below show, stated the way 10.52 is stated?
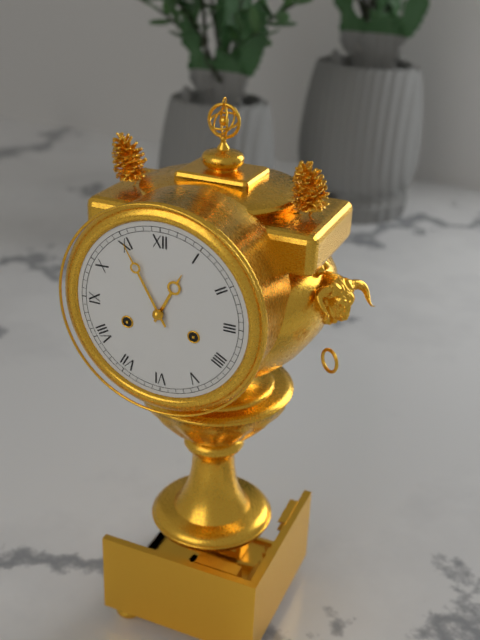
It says 12.55
